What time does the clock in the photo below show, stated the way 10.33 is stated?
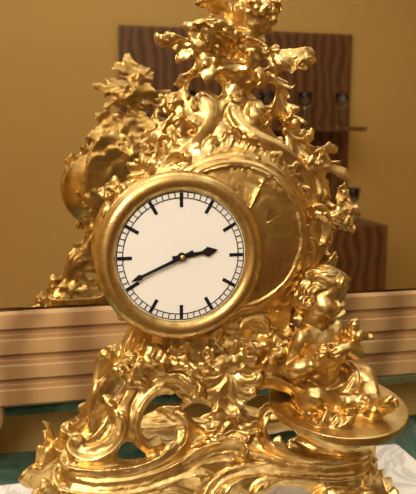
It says 2.41
